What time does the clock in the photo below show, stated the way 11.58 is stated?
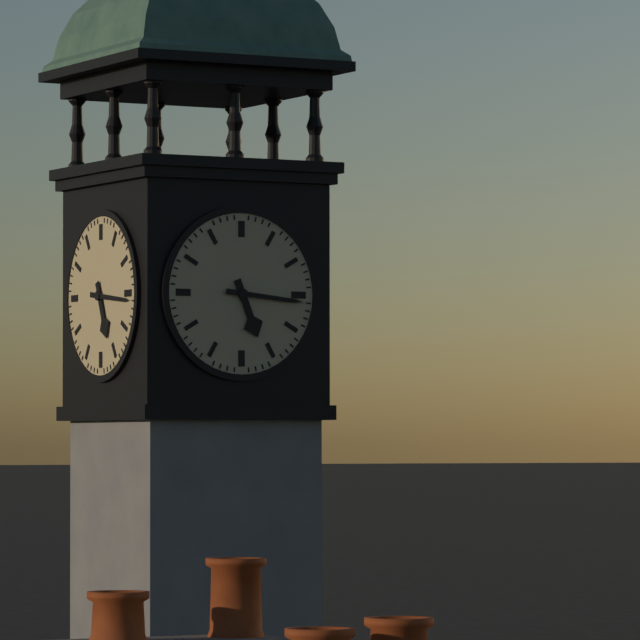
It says 5.16
